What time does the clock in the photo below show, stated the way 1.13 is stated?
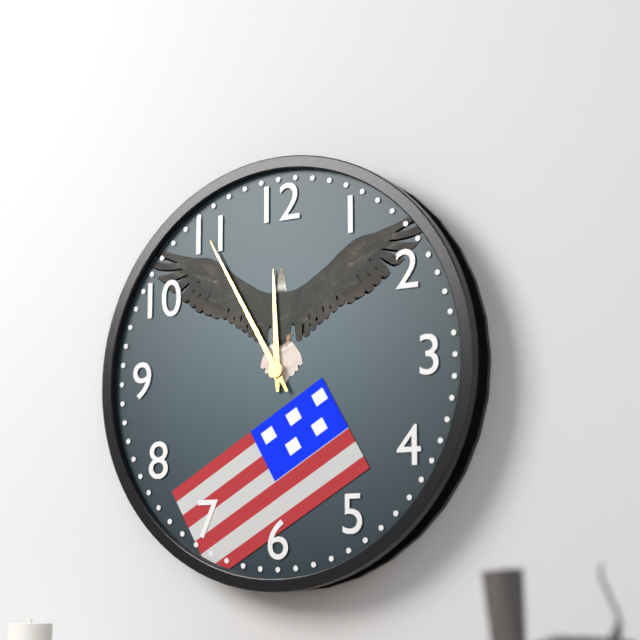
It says 11.55
